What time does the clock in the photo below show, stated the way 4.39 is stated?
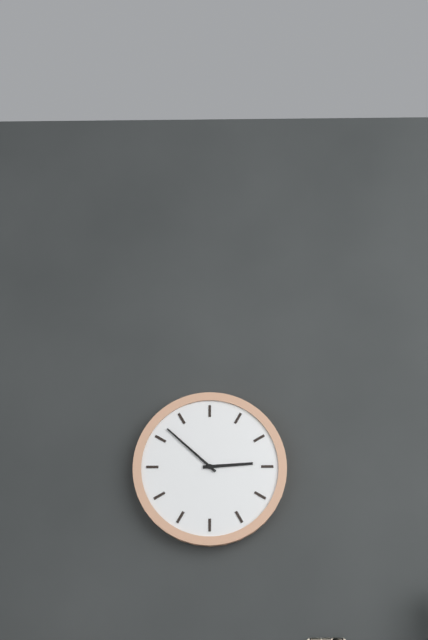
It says 2.52
